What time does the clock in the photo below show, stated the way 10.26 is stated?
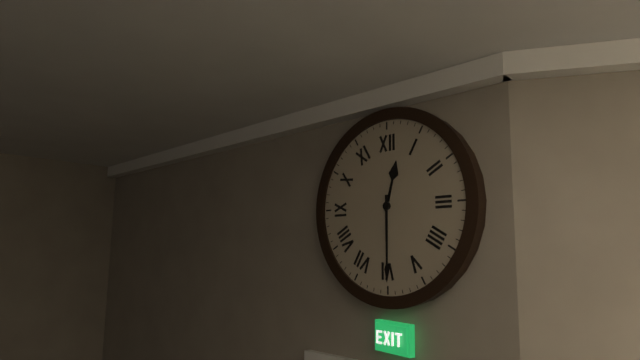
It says 12.30
